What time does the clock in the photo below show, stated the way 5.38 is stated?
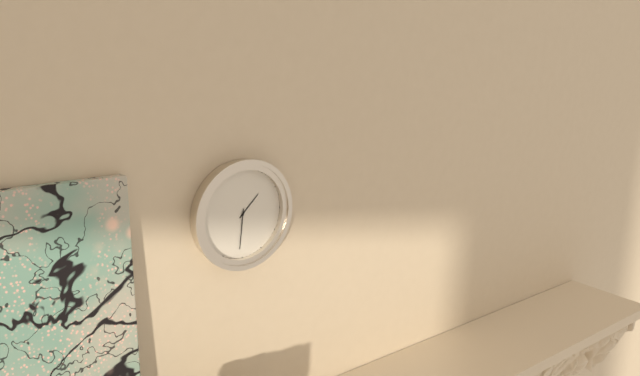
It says 1.31
